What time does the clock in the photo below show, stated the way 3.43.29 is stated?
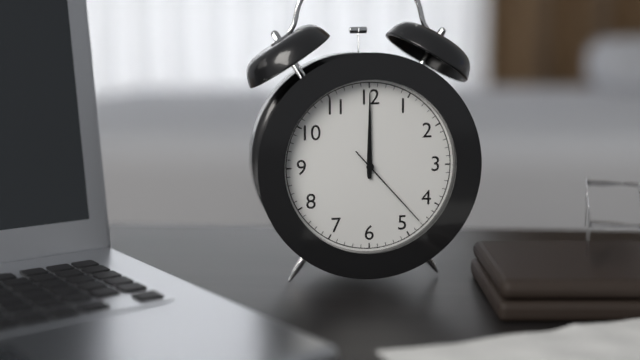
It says 12.00.23
